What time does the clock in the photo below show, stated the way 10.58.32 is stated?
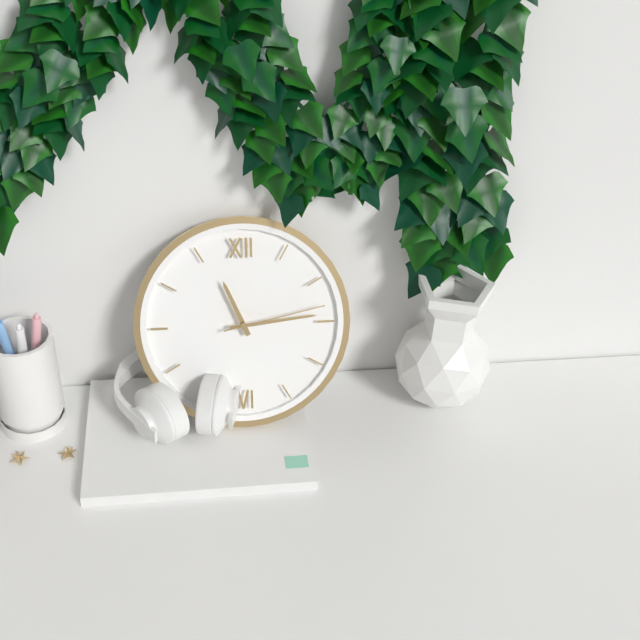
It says 11.14.13
